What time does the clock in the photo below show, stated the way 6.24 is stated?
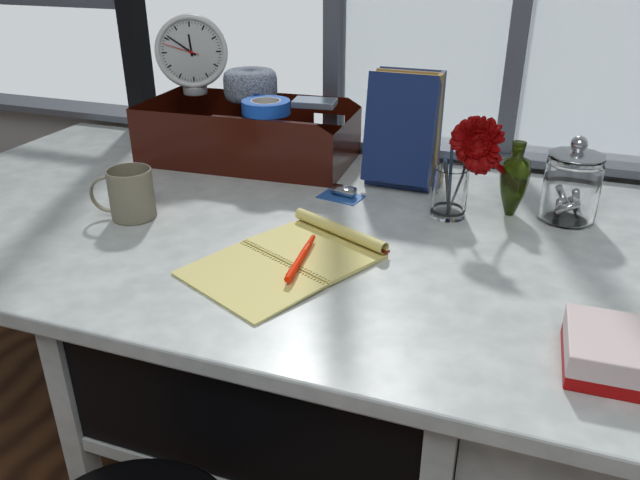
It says 11.51
